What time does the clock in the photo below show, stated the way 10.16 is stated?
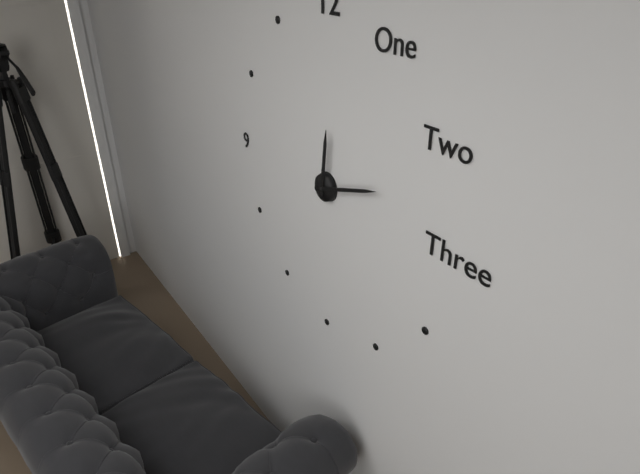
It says 12.12
